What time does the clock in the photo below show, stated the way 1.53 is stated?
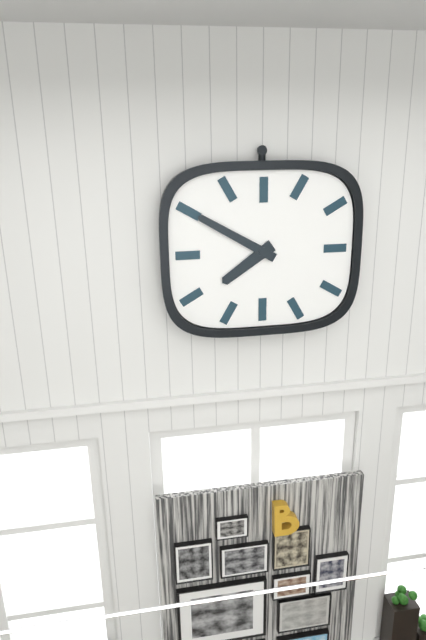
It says 7.50
